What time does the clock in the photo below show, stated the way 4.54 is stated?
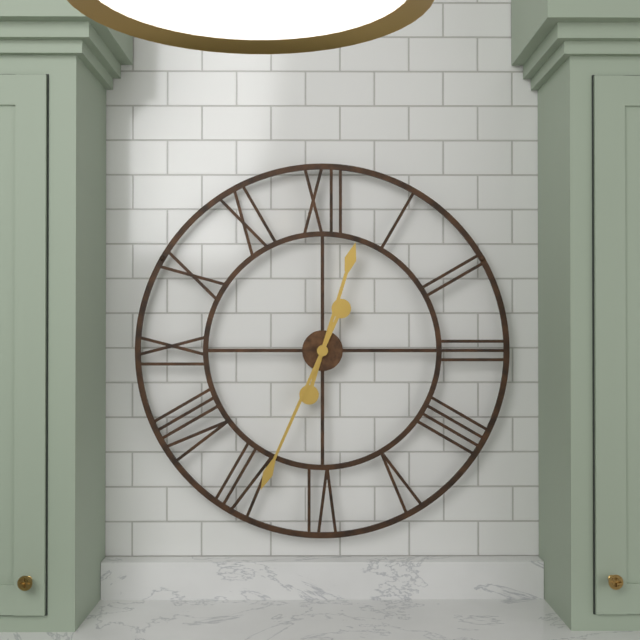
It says 12.34
